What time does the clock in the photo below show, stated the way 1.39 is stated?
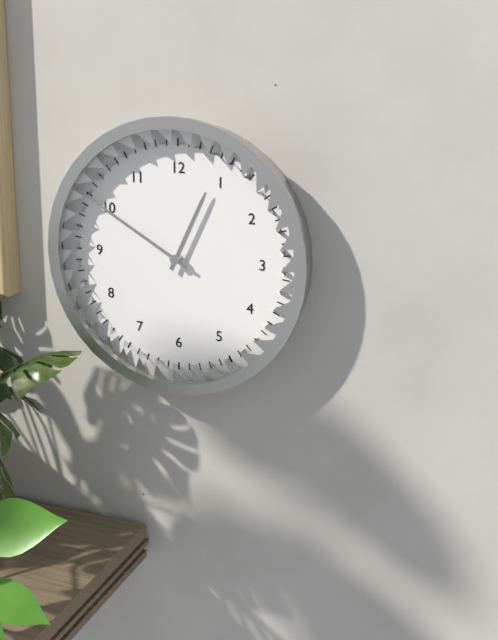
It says 12.50
